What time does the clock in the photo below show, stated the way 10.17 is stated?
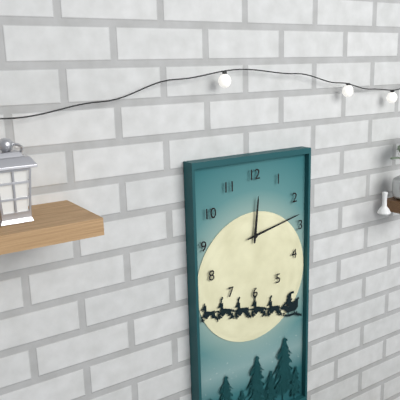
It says 12.13
